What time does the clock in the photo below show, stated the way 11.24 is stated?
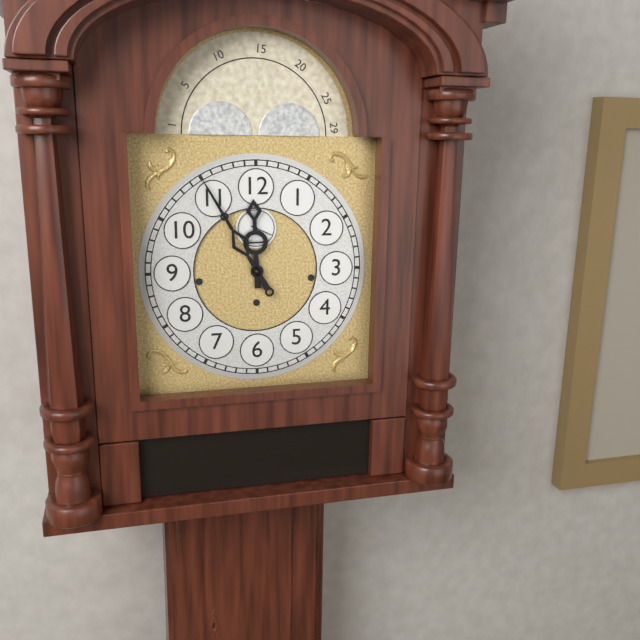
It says 11.55
